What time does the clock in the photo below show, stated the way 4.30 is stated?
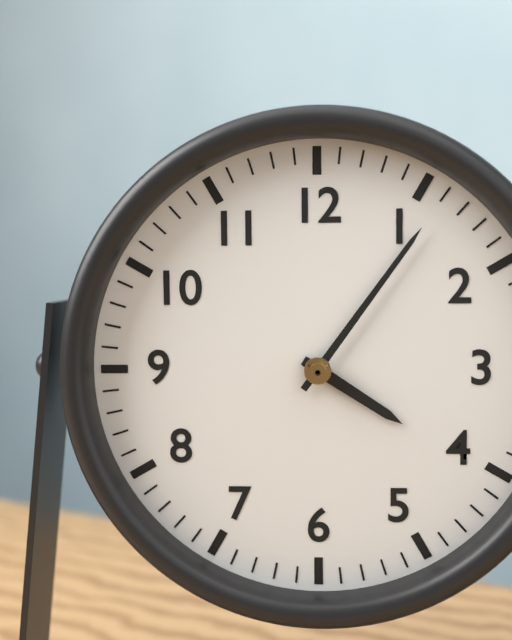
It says 4.06
